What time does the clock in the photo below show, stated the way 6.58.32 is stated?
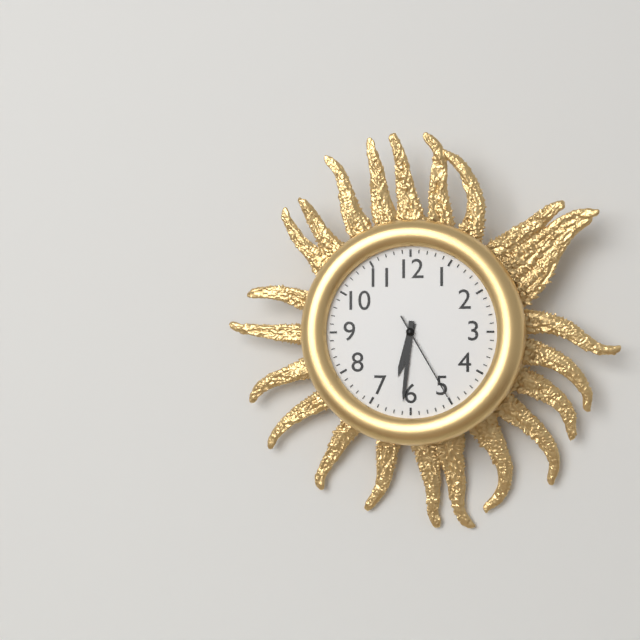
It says 6.31.25
